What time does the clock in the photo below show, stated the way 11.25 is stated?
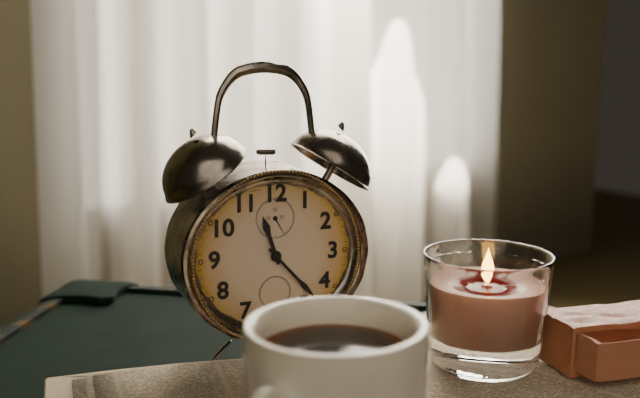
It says 11.23
